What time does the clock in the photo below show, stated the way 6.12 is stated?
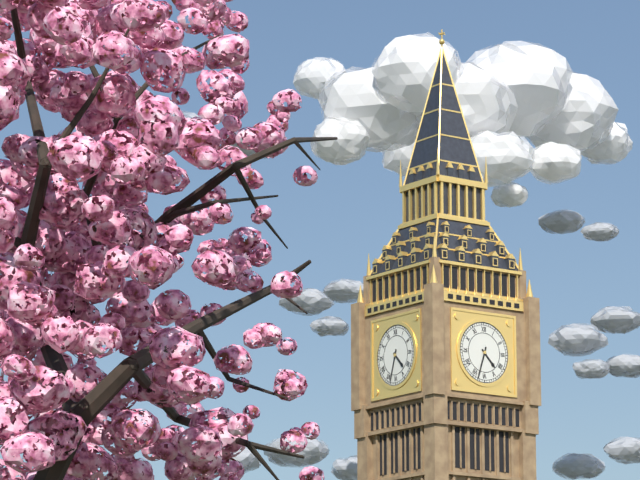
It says 4.33
